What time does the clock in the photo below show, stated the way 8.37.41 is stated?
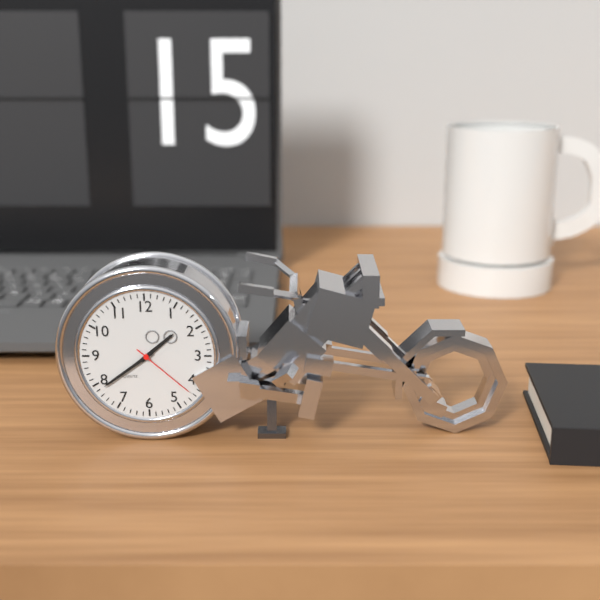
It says 1.39.22
